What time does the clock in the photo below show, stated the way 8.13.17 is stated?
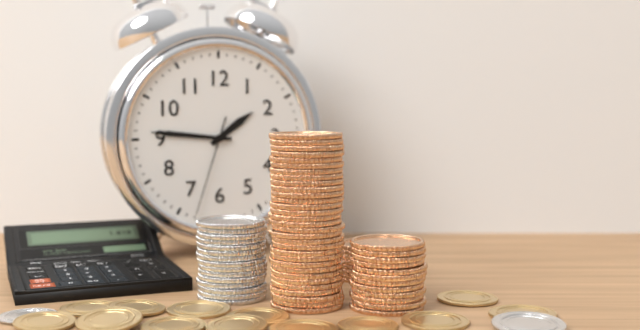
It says 1.46.33
